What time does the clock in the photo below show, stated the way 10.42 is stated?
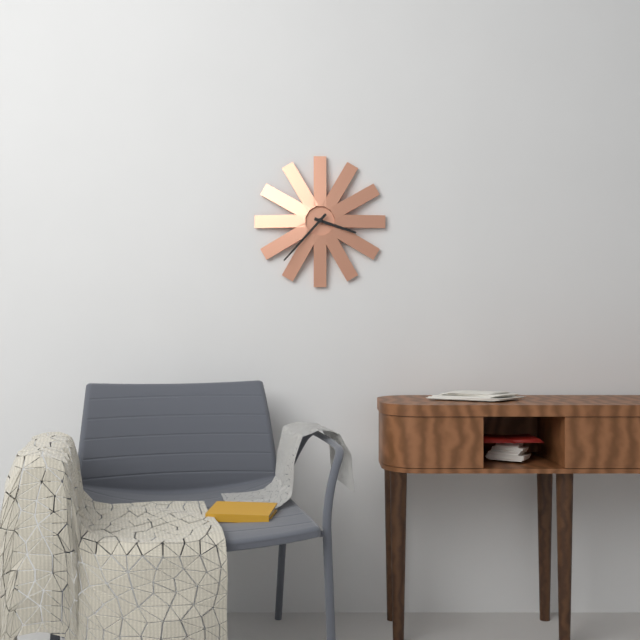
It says 3.37
